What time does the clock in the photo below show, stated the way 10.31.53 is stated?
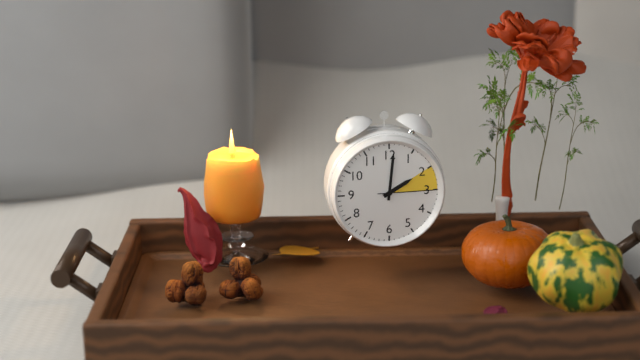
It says 2.01.15
